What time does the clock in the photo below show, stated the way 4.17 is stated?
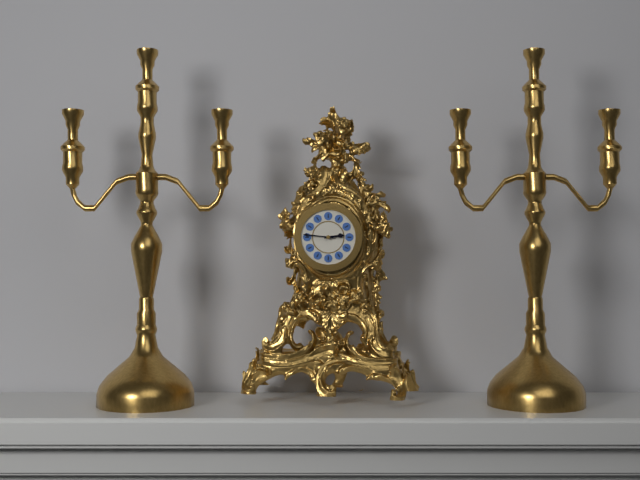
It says 2.46
